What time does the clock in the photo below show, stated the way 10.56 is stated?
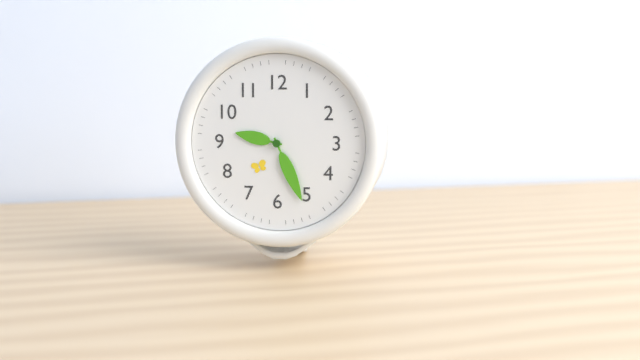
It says 9.26
